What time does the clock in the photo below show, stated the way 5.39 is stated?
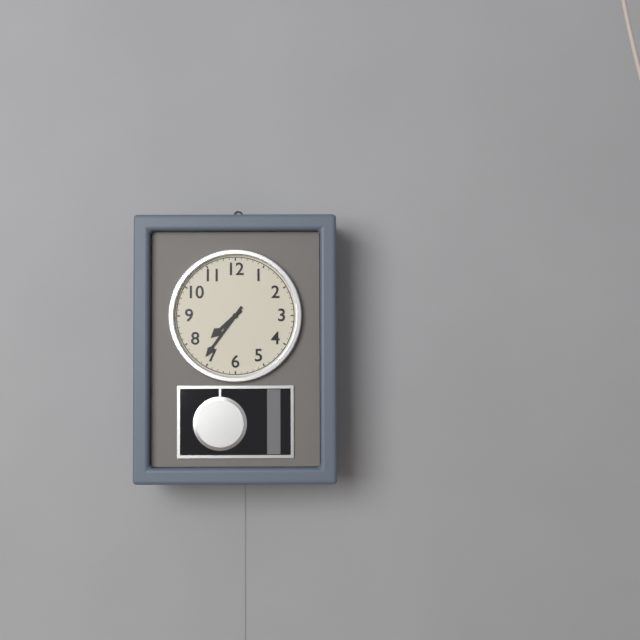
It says 7.36
